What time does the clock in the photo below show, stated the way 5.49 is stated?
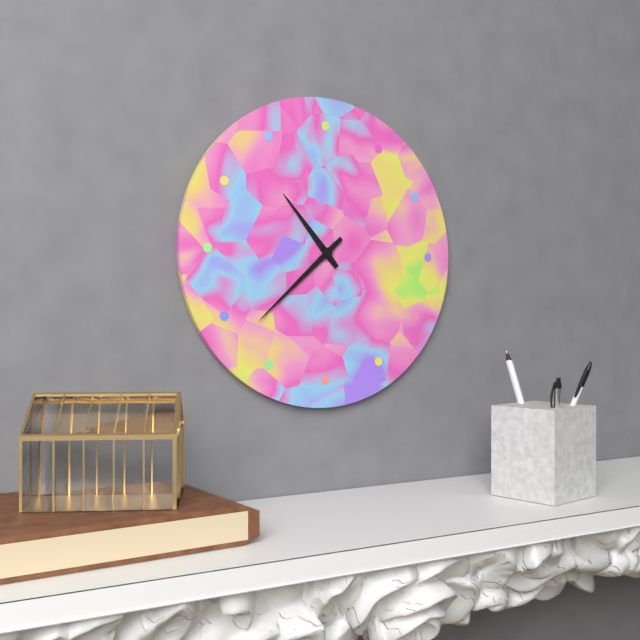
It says 10.38
